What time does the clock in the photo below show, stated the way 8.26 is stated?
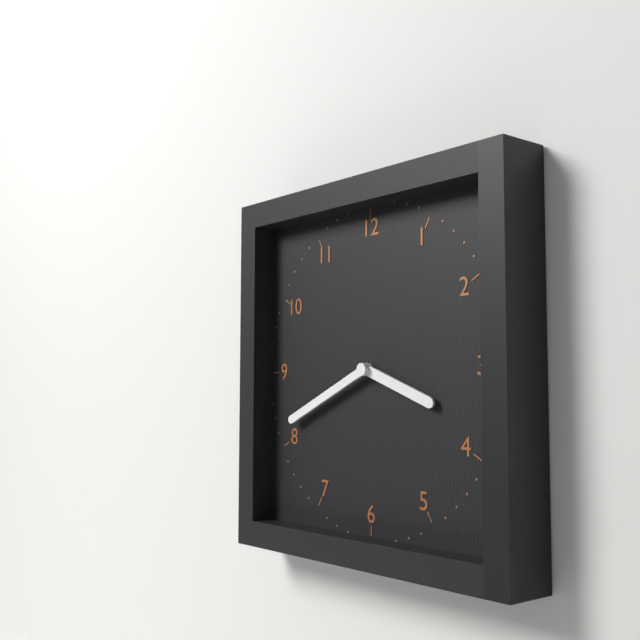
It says 3.41
